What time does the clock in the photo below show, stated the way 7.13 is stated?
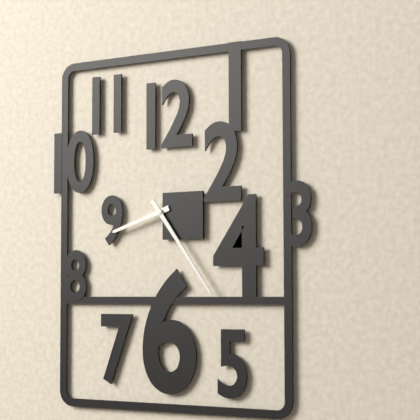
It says 8.24
